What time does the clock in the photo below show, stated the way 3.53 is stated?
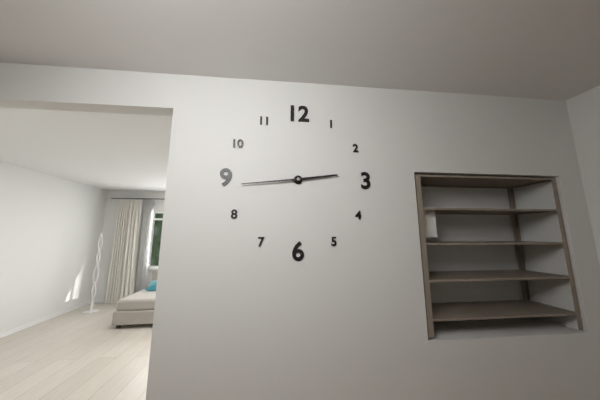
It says 2.44
